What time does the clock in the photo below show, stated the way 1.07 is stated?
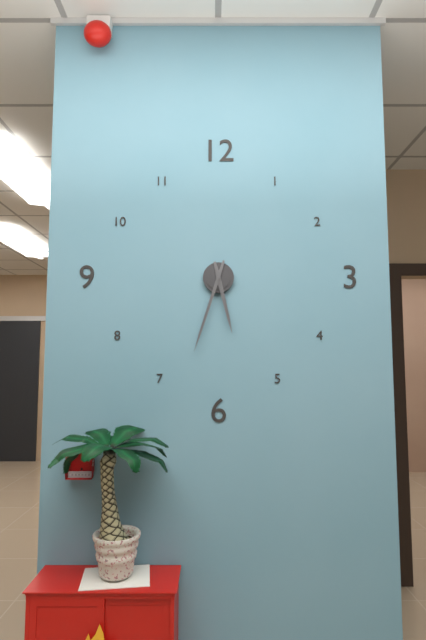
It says 5.33
